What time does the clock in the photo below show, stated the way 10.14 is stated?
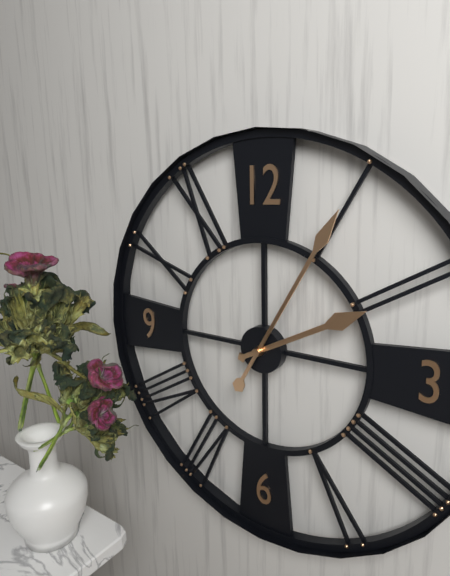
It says 2.05
